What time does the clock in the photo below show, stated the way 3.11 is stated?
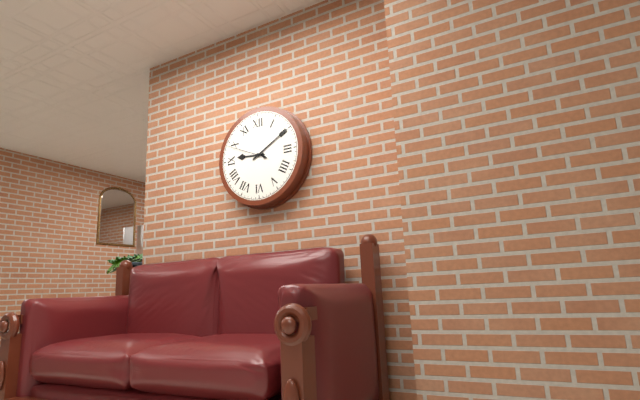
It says 9.10
